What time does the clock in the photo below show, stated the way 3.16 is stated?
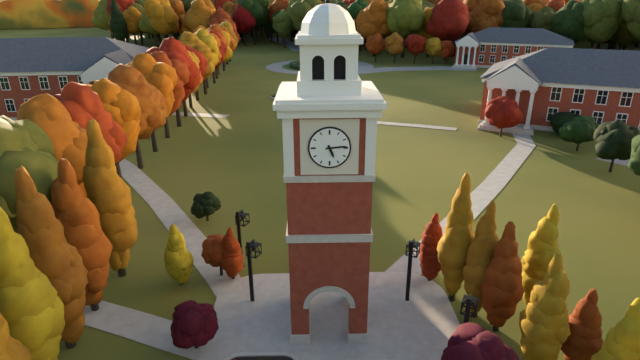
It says 5.14
